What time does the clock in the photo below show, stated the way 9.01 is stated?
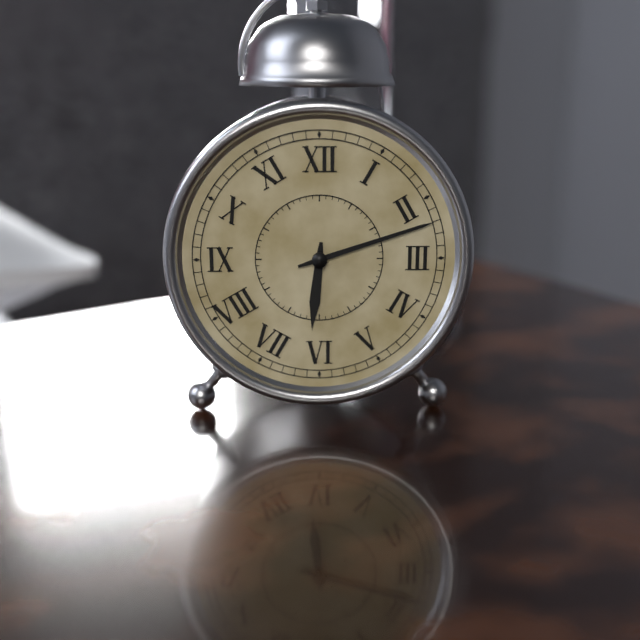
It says 6.12
